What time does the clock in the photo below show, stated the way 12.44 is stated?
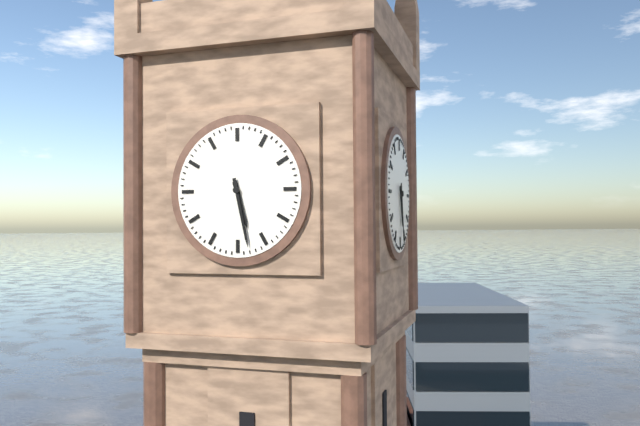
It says 5.28
